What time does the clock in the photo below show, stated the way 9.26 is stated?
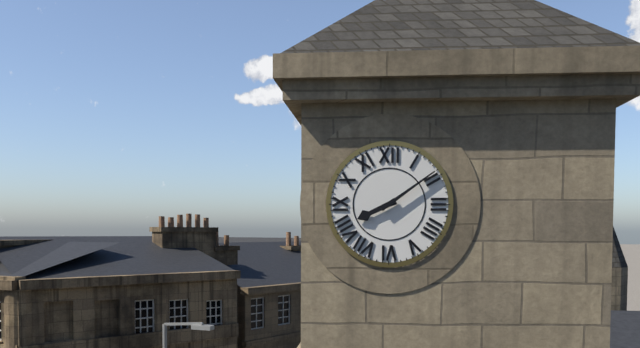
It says 8.09
